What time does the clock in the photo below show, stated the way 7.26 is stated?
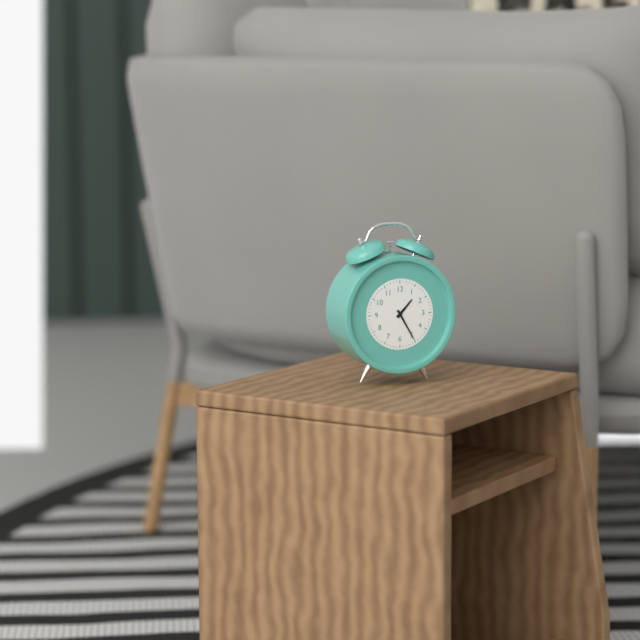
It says 1.25
